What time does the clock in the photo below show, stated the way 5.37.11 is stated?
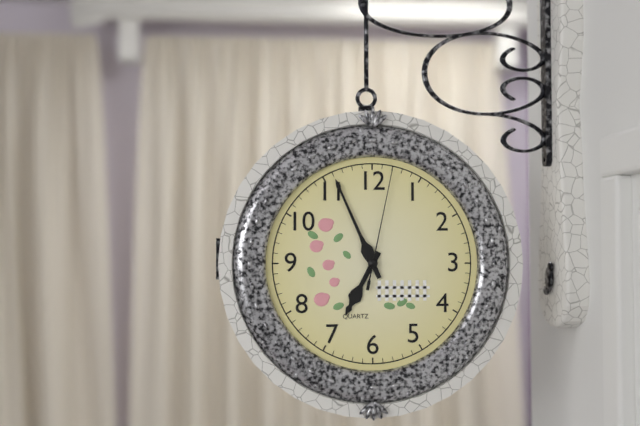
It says 6.56.02
